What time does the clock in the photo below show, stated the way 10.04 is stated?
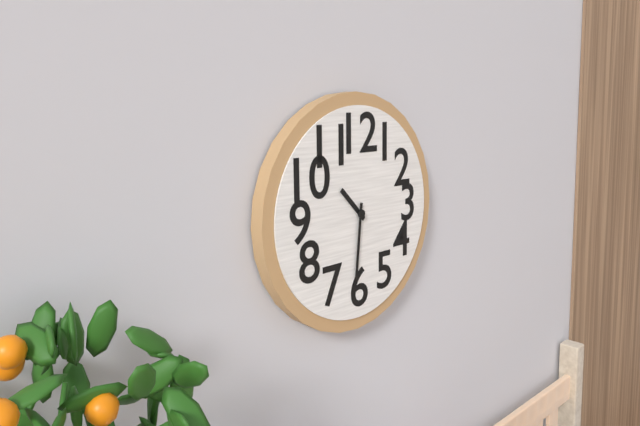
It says 10.31
